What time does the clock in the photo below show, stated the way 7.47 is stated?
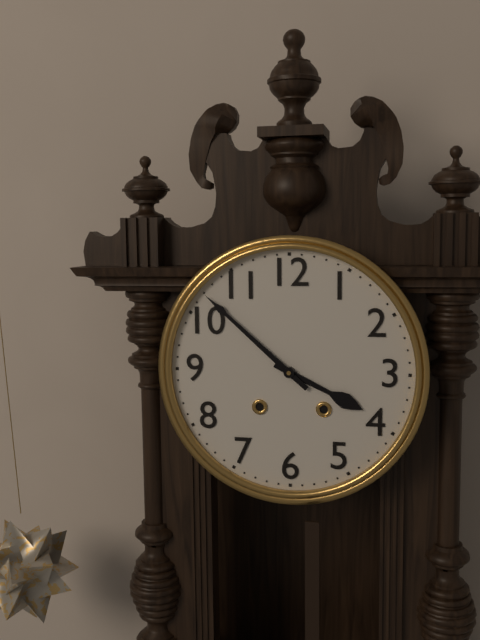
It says 3.52
